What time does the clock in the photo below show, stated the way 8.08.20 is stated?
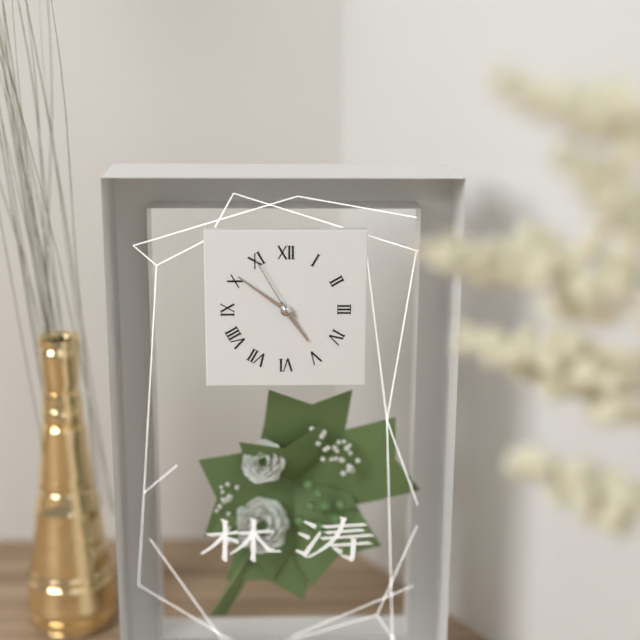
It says 4.51.55
